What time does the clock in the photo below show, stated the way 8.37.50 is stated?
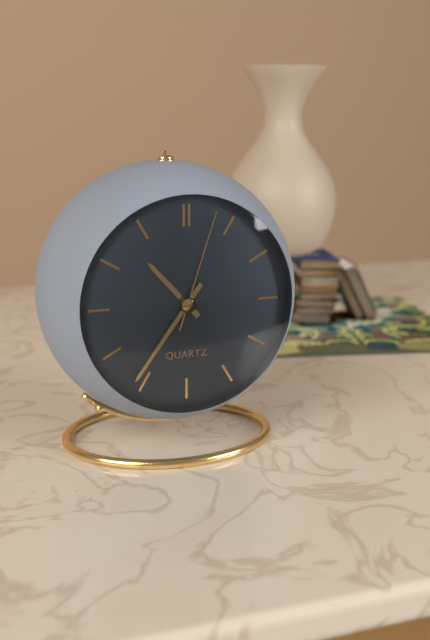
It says 10.36.03
